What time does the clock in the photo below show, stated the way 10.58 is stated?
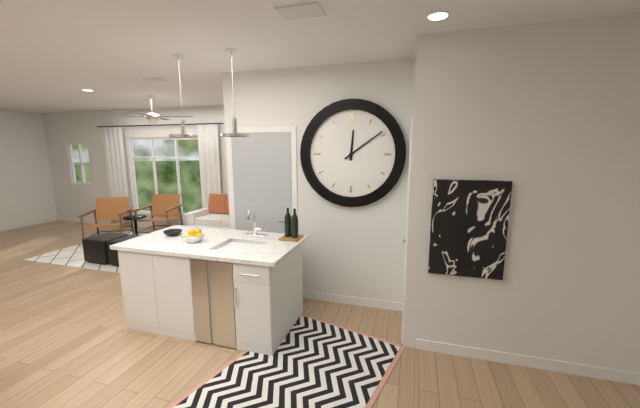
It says 12.09
